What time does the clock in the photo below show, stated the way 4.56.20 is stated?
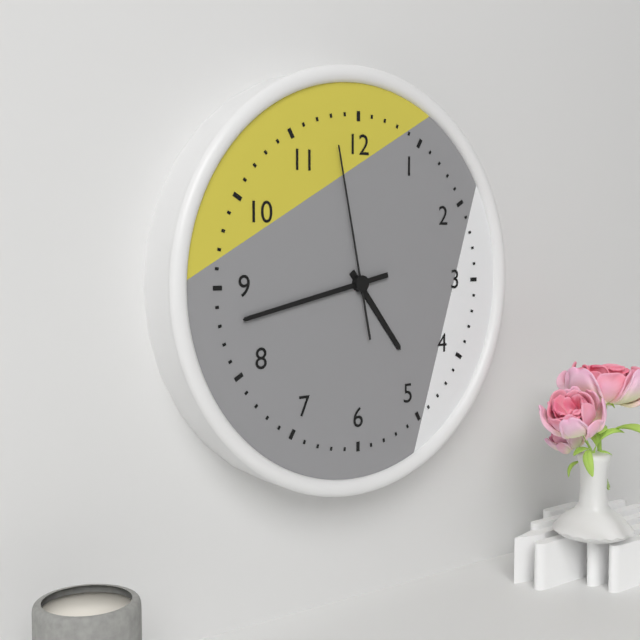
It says 4.43.58
